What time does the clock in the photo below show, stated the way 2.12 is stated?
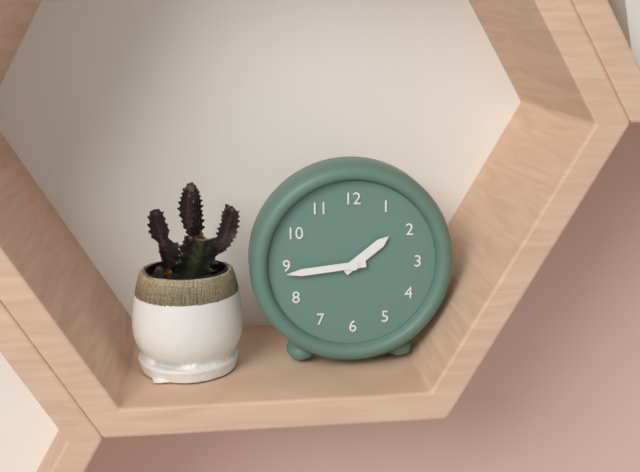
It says 1.44
